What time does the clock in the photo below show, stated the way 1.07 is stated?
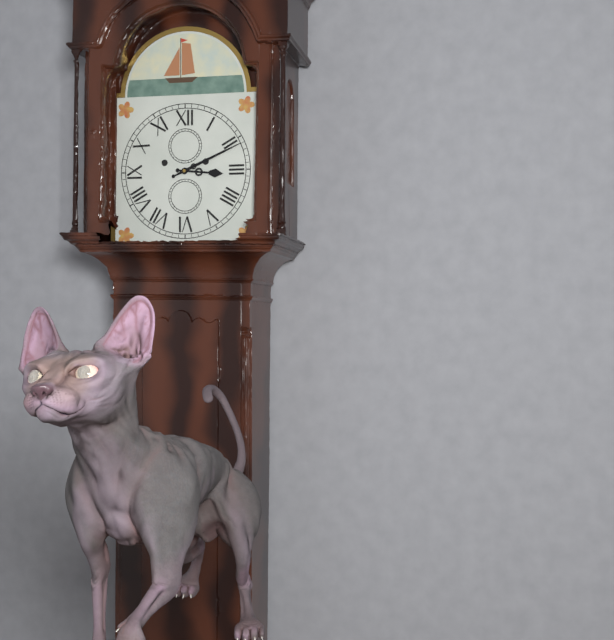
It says 3.11
